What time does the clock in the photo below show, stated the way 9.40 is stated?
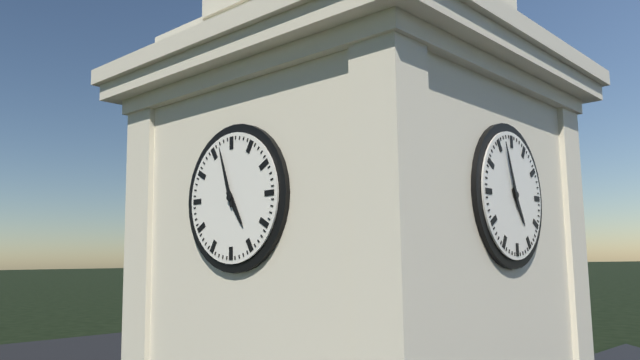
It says 4.57
